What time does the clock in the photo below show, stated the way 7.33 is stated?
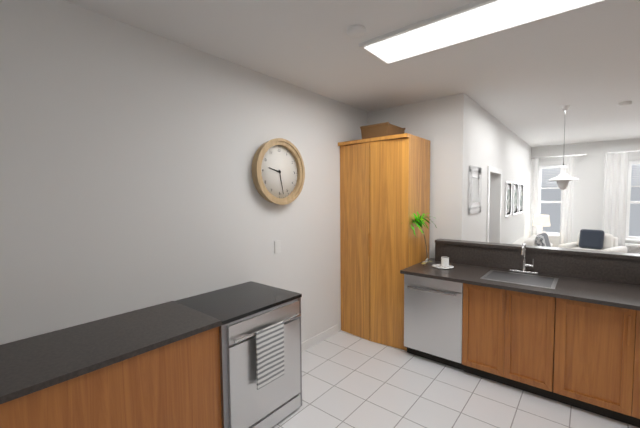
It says 9.28
